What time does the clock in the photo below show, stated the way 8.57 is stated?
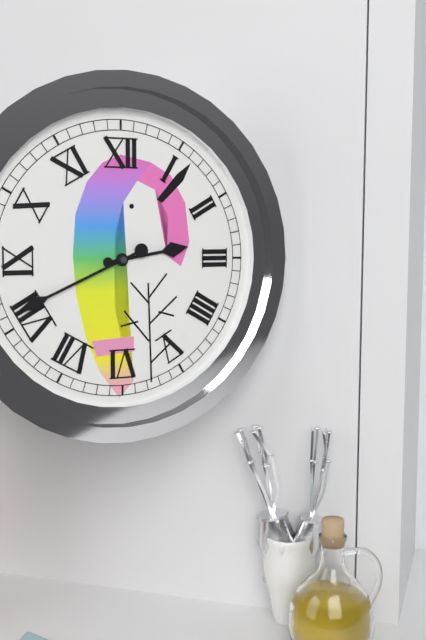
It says 2.41
